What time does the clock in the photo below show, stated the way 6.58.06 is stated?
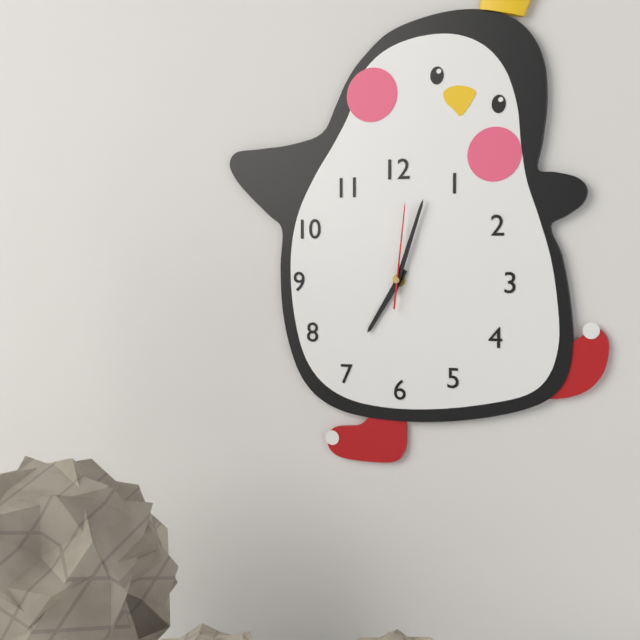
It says 7.03.01
